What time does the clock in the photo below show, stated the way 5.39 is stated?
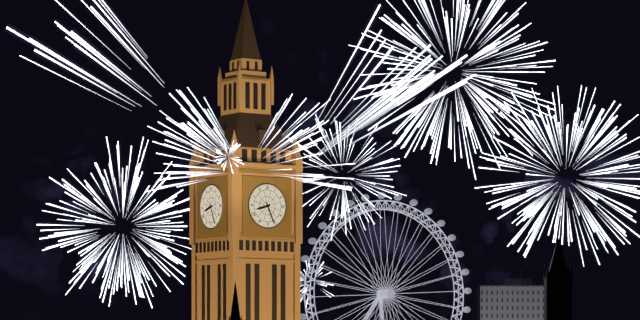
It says 8.26
